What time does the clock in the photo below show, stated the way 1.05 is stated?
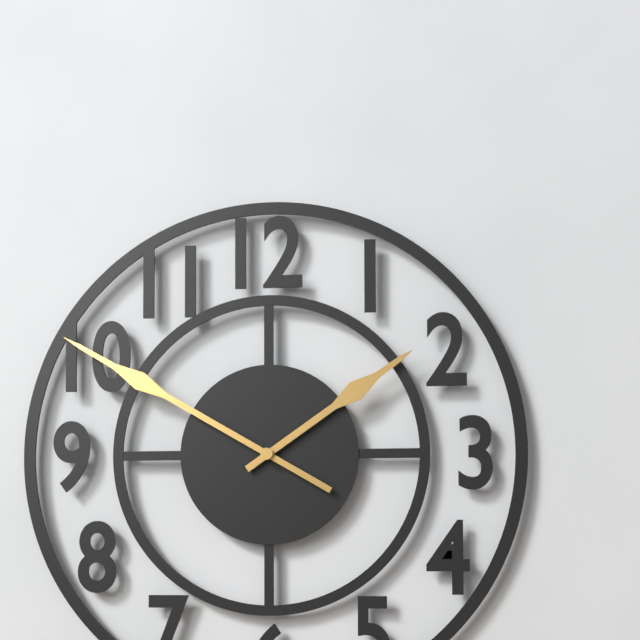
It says 1.50
